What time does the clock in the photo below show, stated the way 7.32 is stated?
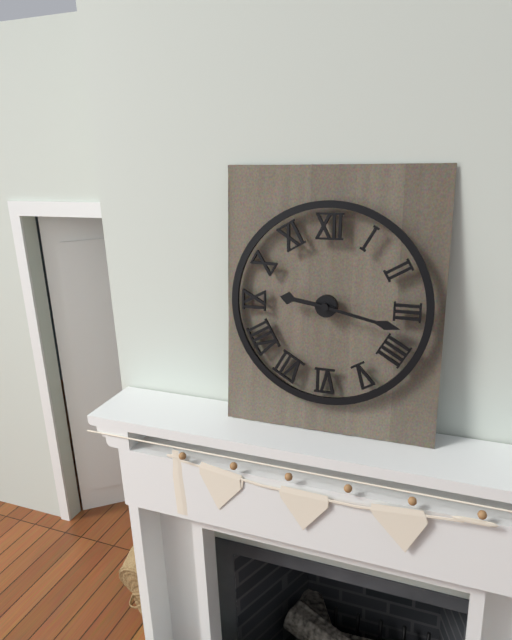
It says 9.17
